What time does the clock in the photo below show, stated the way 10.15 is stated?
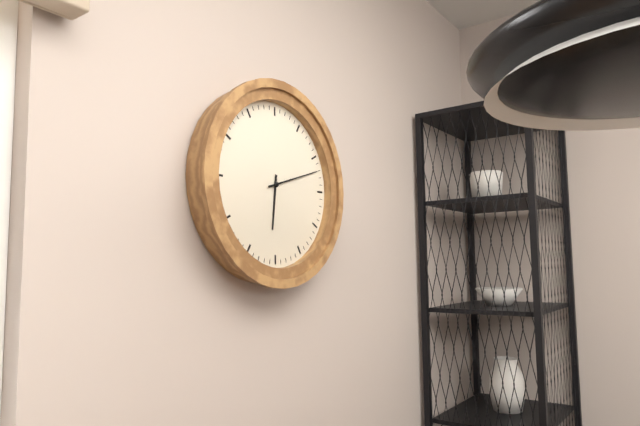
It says 6.12
